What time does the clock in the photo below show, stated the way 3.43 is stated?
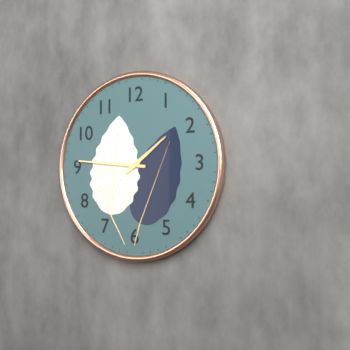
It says 1.46
